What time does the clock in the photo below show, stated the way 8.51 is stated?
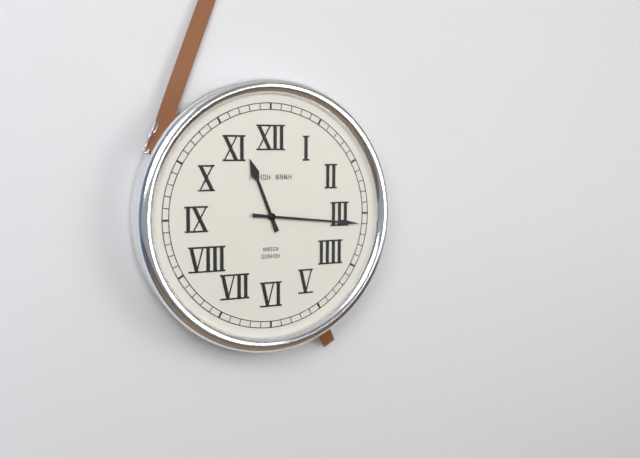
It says 11.16
